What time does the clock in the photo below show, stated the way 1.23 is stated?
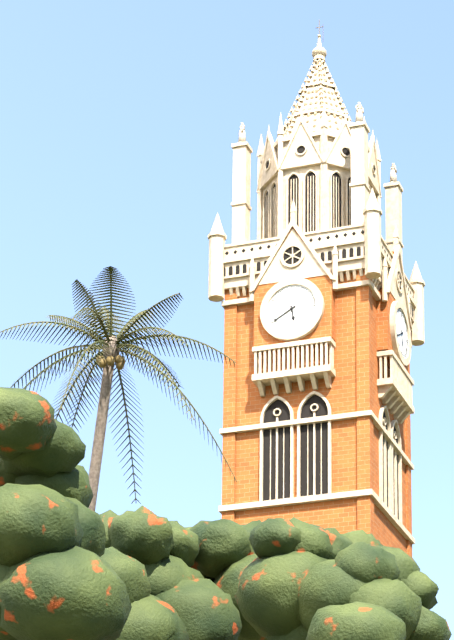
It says 5.40
